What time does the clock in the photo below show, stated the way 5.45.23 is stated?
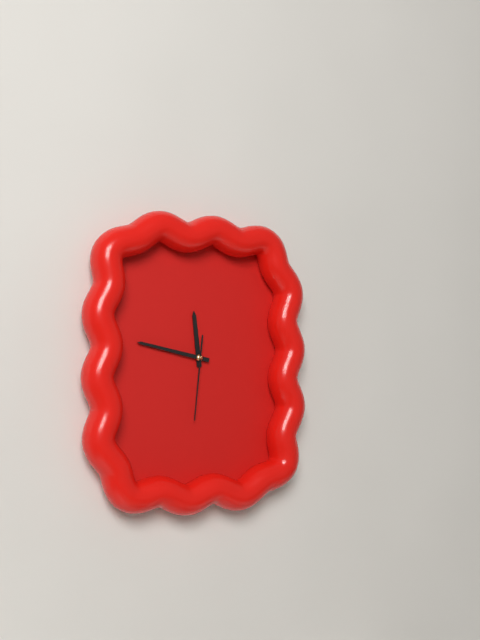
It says 11.47.31
